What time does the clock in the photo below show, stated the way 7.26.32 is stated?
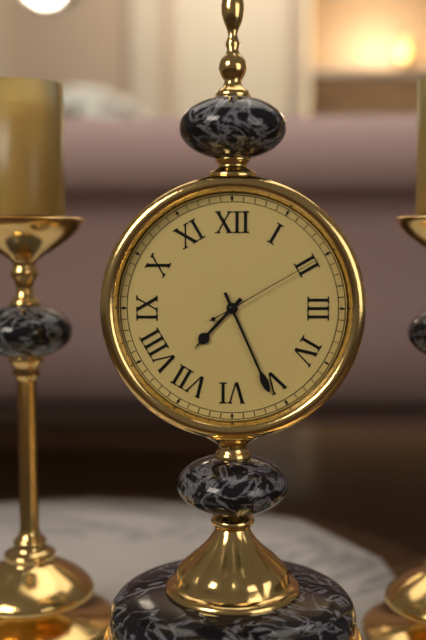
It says 7.26.10
